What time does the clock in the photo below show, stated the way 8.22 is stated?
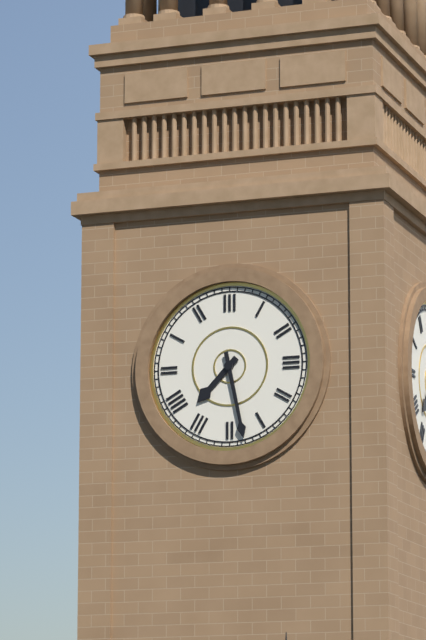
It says 7.28
